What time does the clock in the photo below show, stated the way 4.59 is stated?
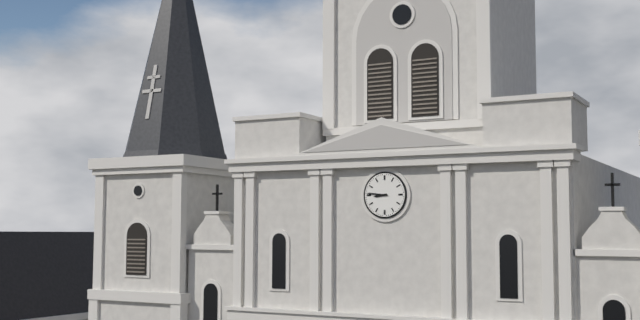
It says 8.46
